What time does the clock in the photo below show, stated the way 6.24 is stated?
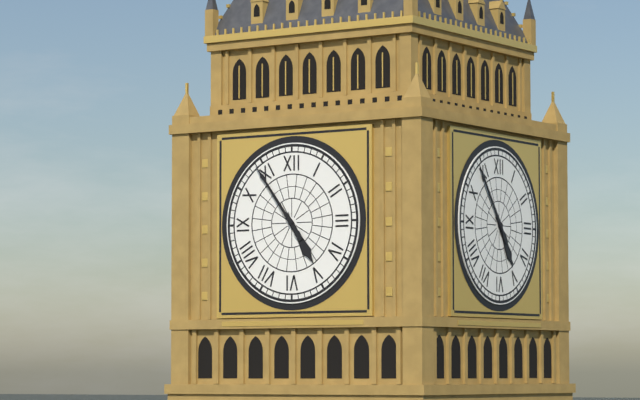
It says 4.54
